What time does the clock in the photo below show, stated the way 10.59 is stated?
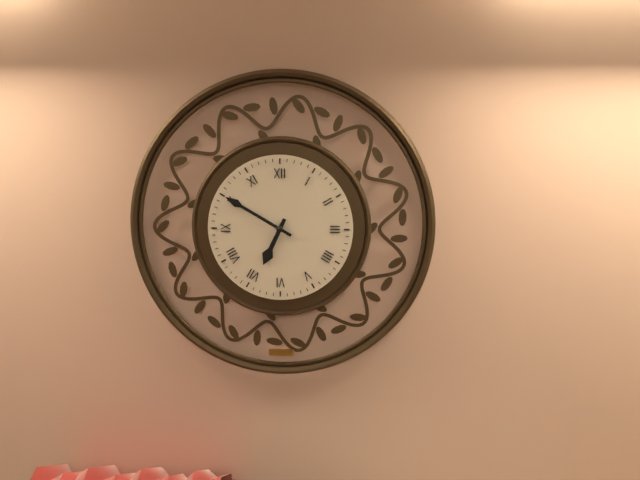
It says 6.50
